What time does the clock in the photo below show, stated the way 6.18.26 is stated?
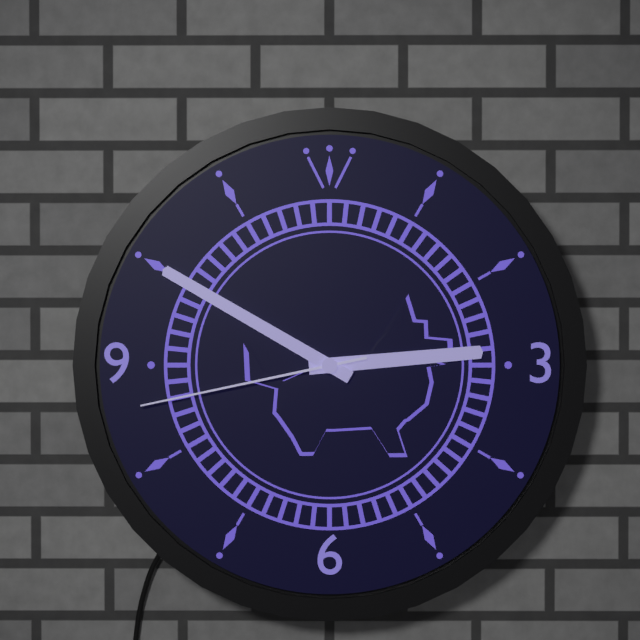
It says 2.50.43
